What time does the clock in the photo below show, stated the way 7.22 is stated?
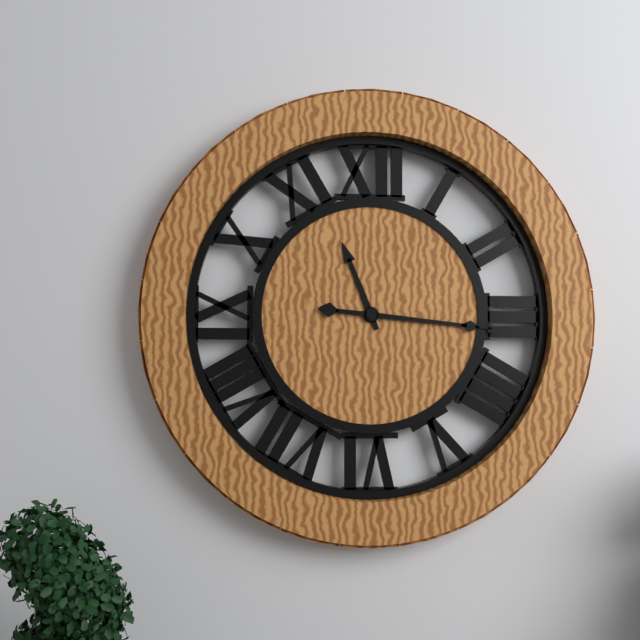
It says 11.16
